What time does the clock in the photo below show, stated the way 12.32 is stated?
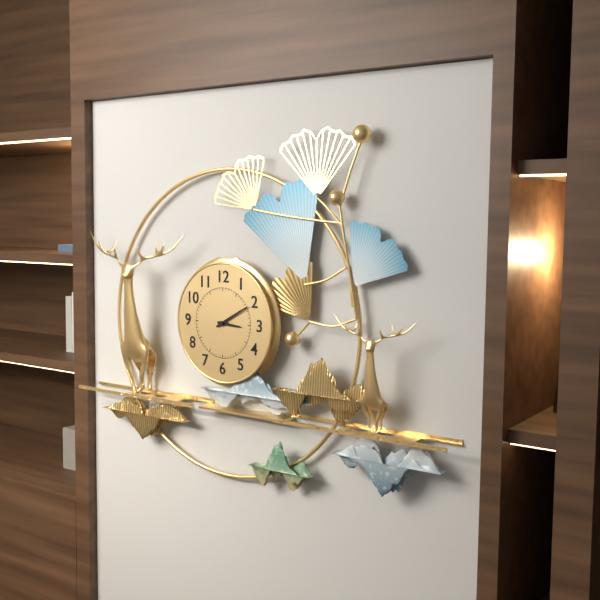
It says 3.10
